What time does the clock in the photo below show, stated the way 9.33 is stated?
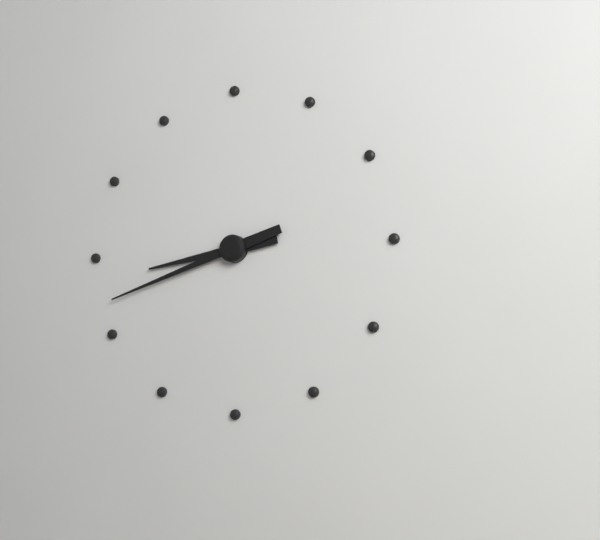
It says 8.42
